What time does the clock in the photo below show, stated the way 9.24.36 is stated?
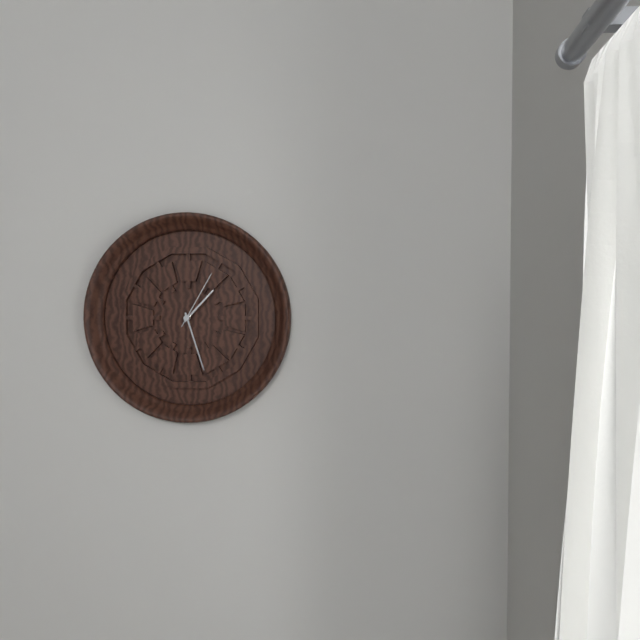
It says 1.27.05
